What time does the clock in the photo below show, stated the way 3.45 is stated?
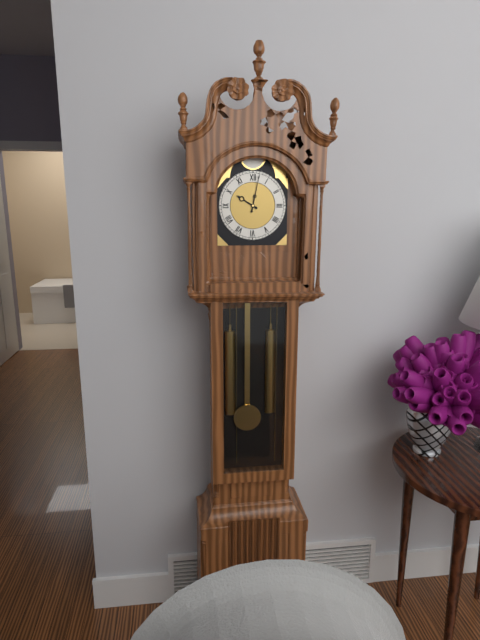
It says 10.02
